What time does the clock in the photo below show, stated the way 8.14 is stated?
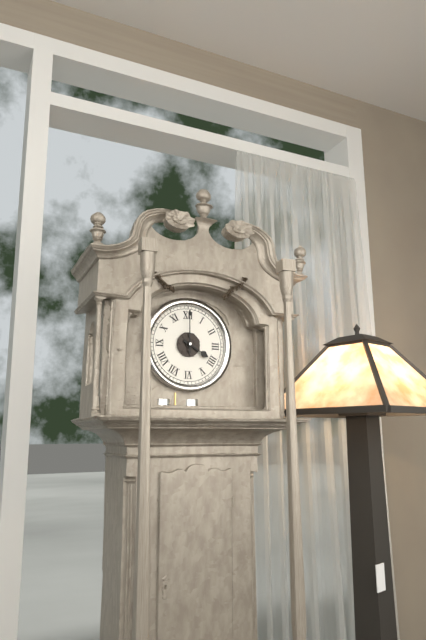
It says 4.00
